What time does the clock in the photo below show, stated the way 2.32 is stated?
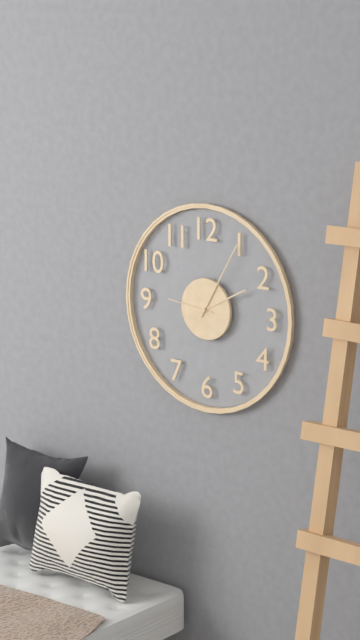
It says 2.05
